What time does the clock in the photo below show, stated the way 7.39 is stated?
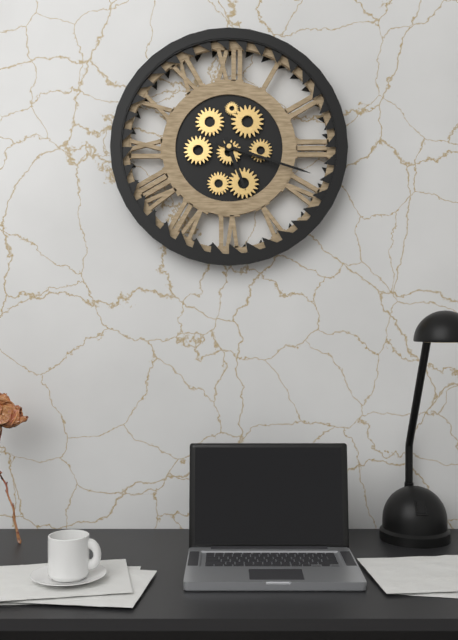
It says 5.18
